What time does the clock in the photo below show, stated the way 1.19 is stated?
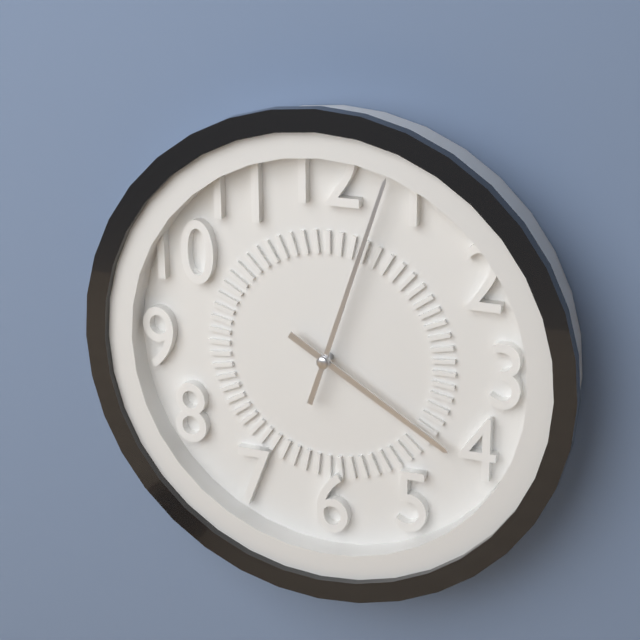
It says 4.03
